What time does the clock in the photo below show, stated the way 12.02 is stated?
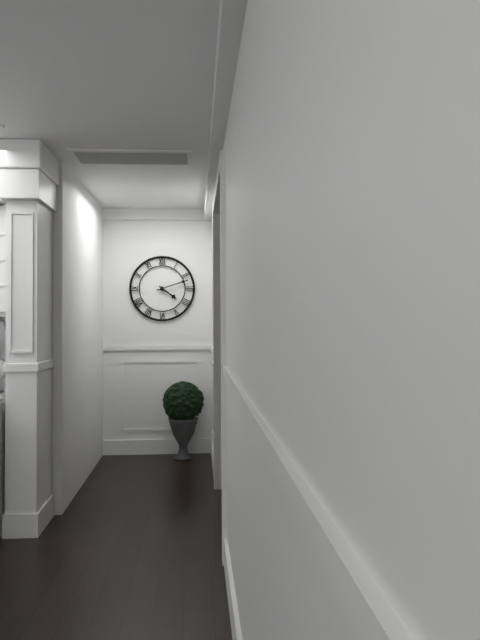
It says 4.12
